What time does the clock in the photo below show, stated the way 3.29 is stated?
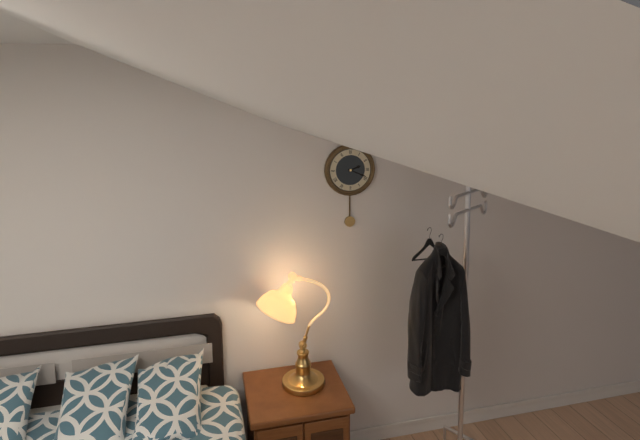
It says 2.19
